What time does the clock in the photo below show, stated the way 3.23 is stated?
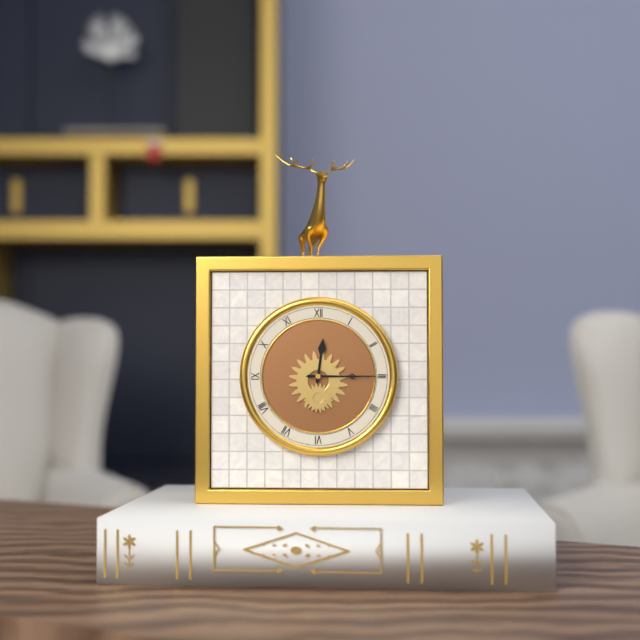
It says 12.15
